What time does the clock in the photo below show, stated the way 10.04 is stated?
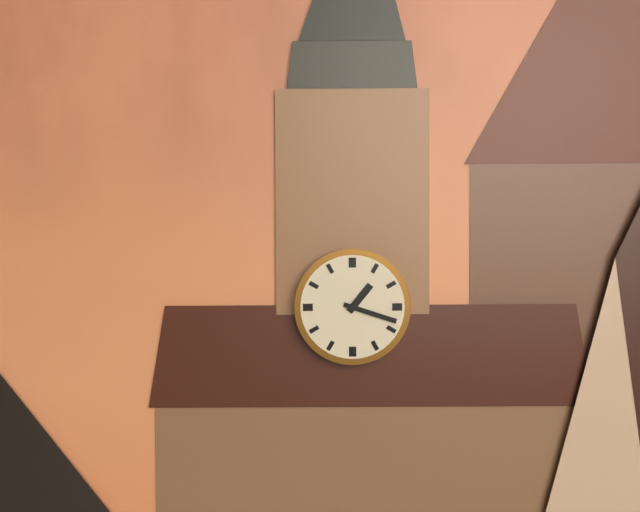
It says 1.18
